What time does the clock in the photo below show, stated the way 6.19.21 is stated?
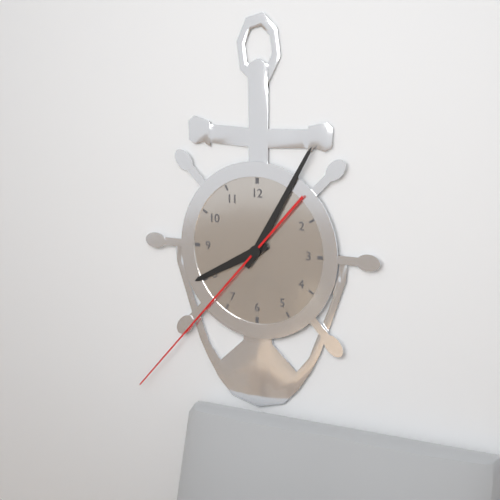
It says 8.05.37
